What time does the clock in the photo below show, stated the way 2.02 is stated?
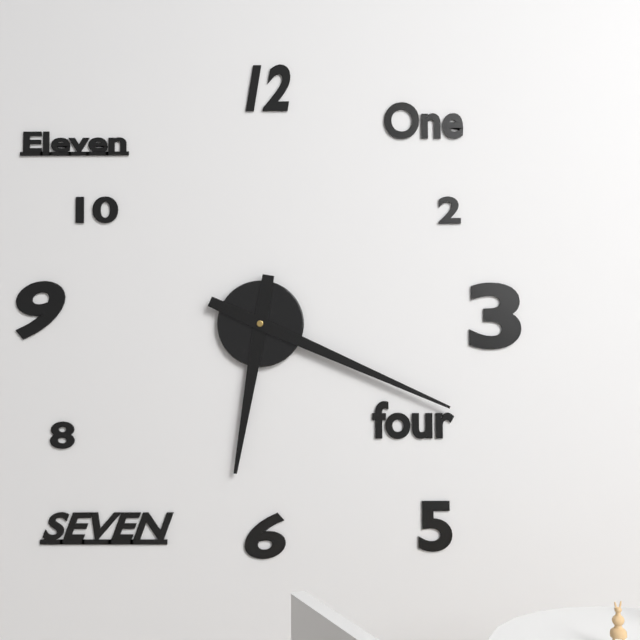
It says 6.19
